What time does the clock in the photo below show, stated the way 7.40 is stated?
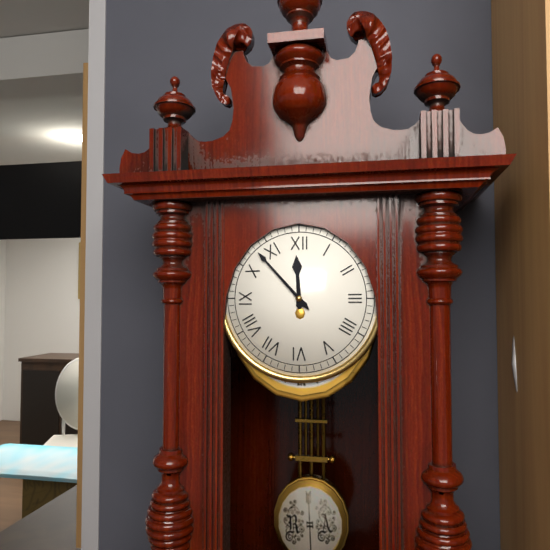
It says 11.53
